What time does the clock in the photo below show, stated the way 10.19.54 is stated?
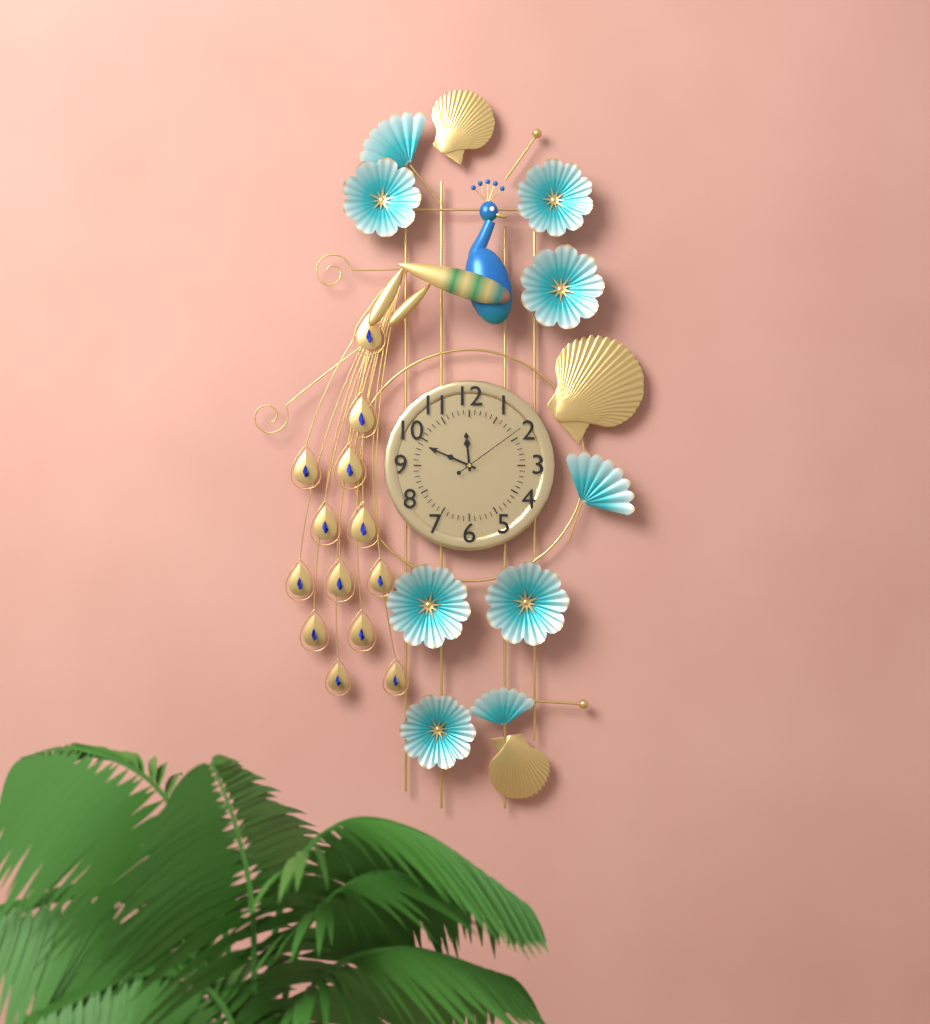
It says 11.49.09
